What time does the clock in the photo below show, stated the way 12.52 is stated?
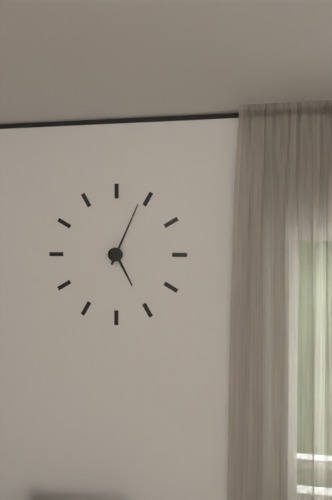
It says 5.04
